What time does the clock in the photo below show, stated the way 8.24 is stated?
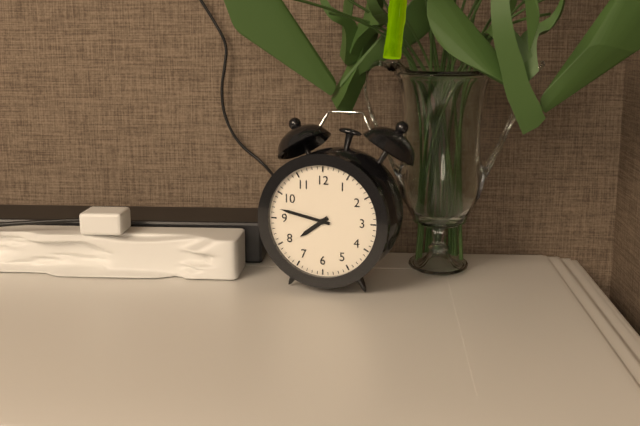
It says 7.47
